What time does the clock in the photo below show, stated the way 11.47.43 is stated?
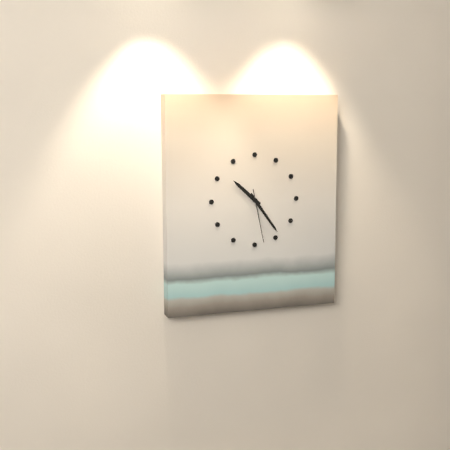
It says 10.24.28
